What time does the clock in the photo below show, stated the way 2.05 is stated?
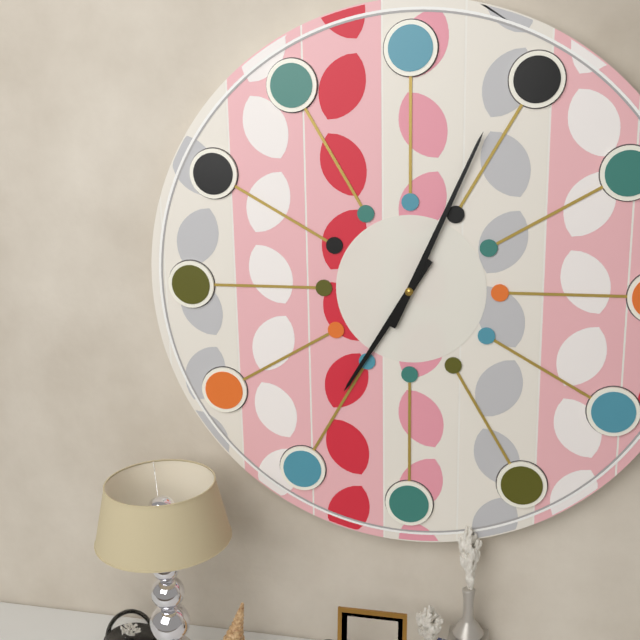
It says 7.04
